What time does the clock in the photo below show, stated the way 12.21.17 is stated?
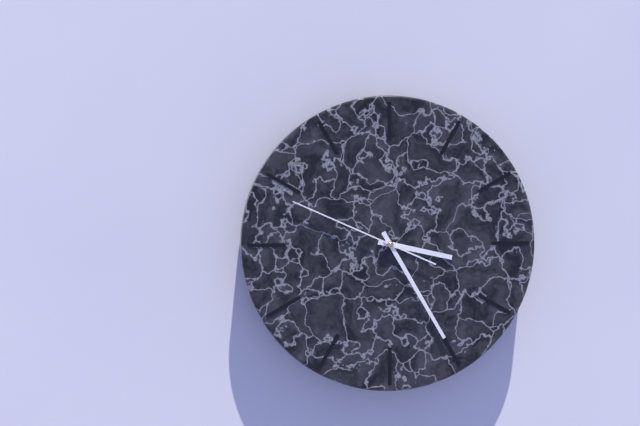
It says 3.25.49
